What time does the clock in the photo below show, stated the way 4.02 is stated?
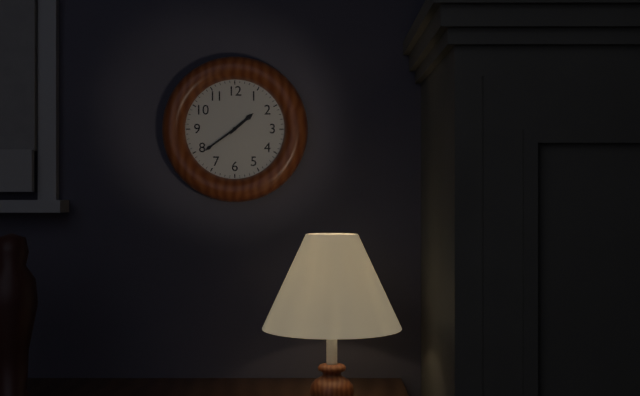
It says 1.39
